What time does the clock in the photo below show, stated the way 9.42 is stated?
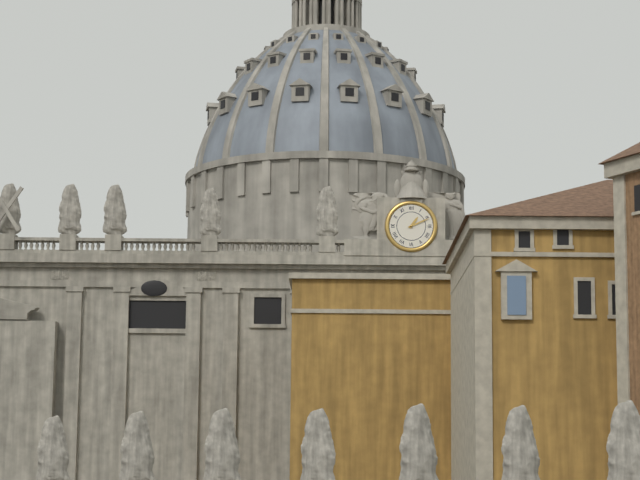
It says 1.11
